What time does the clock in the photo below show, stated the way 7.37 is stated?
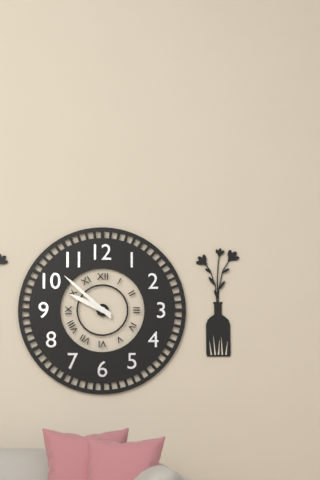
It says 9.52
